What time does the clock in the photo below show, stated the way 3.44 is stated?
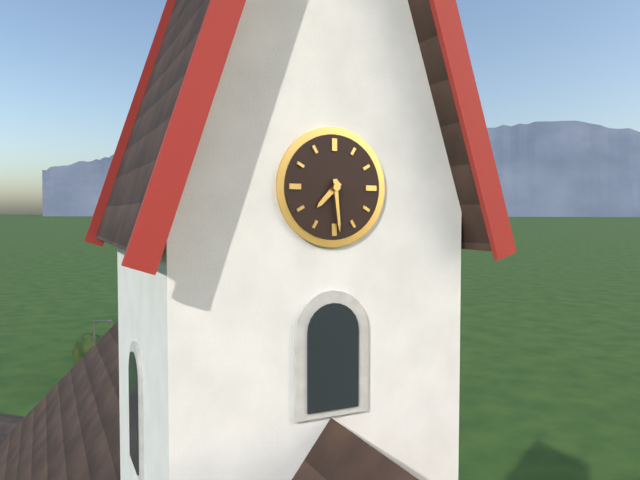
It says 7.29
